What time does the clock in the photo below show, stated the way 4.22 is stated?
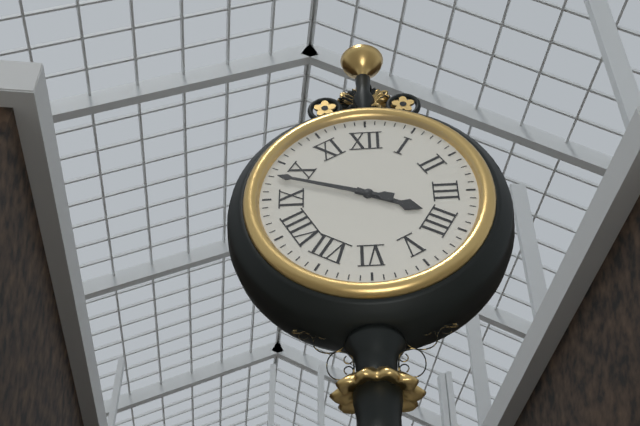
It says 3.48
